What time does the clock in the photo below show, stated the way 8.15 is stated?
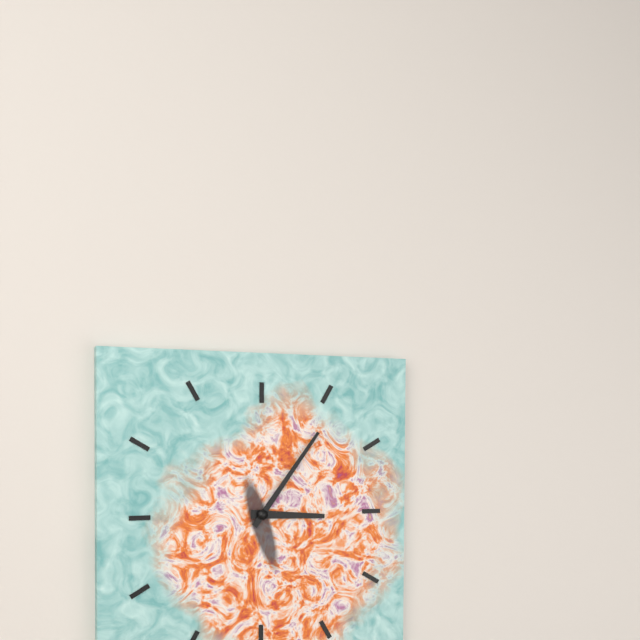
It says 3.06
